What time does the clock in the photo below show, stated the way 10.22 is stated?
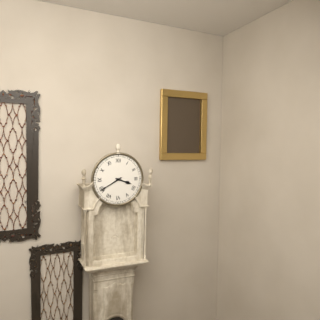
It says 3.40
